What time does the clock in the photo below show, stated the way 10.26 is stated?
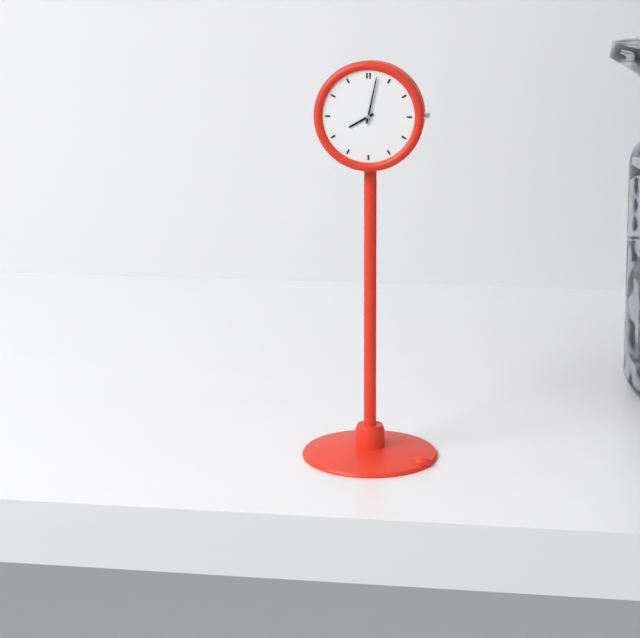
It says 8.02
